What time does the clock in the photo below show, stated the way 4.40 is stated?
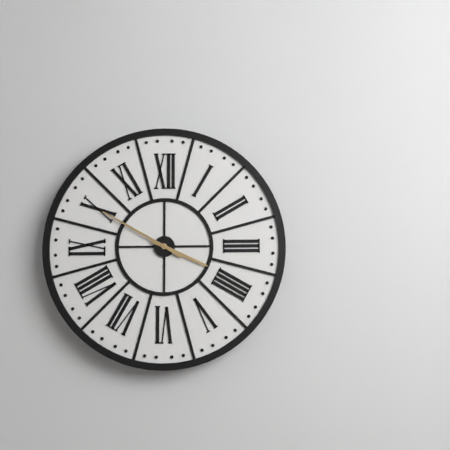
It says 3.50
